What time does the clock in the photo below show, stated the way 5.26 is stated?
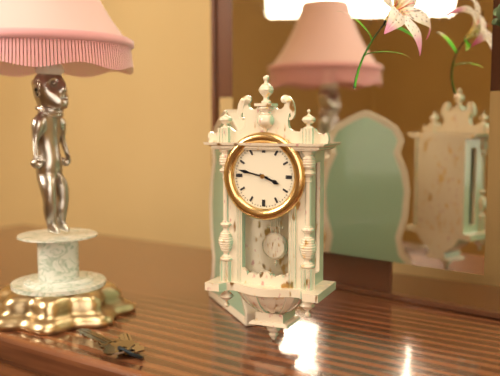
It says 3.47
